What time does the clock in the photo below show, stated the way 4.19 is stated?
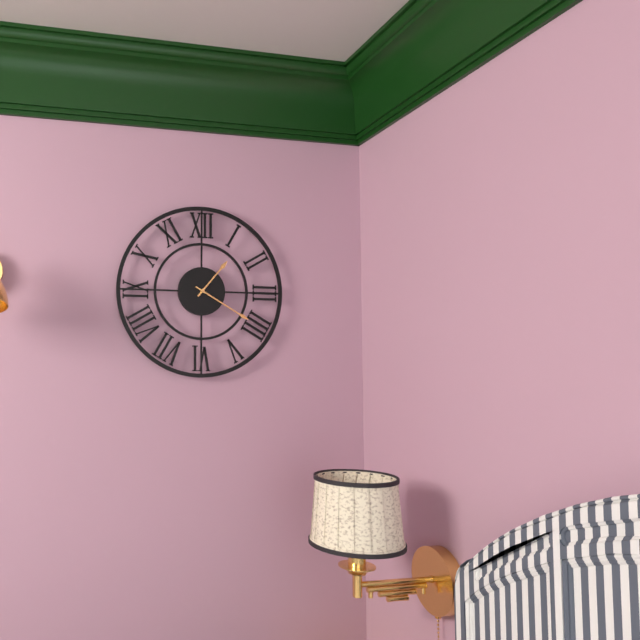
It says 1.20
